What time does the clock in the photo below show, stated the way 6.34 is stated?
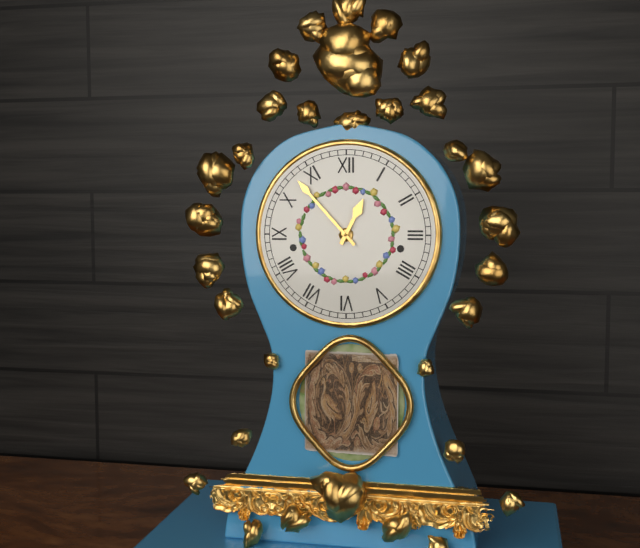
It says 12.53
